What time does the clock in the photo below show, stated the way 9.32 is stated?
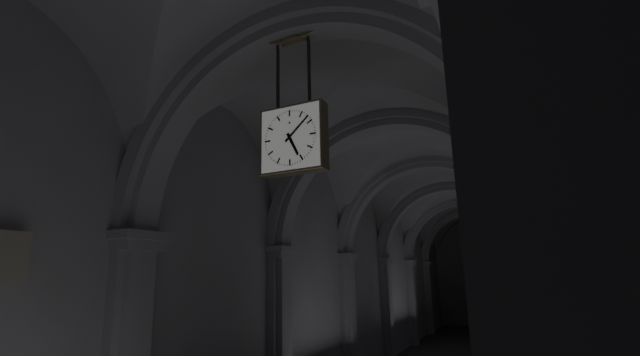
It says 5.08
